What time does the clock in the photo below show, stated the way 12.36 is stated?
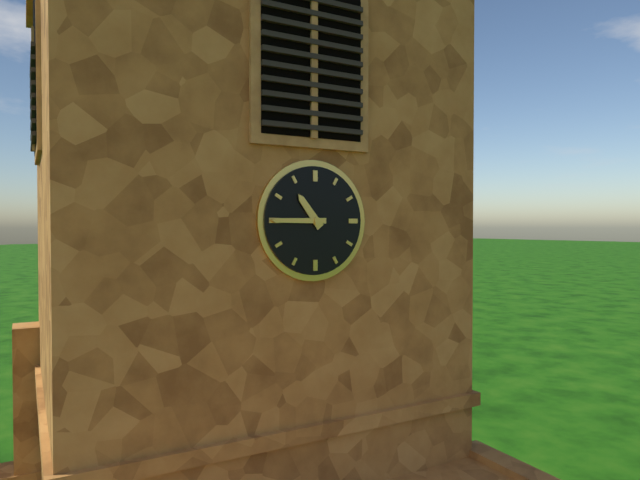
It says 10.45
